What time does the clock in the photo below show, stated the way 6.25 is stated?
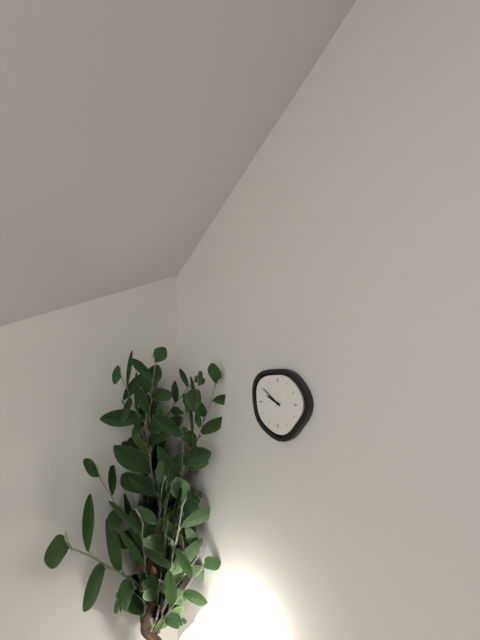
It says 9.51
